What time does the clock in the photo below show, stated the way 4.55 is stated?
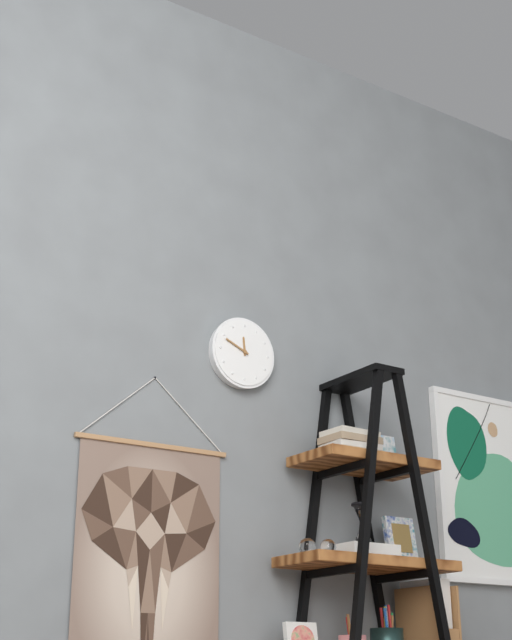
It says 11.49
